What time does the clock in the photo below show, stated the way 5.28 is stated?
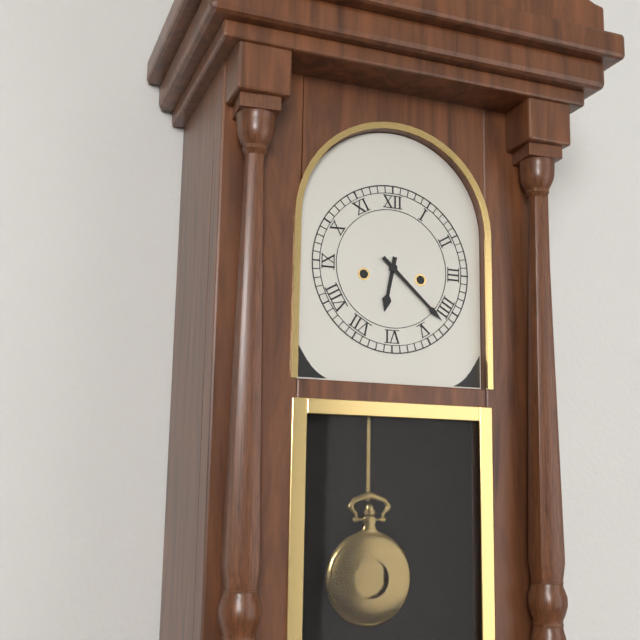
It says 6.22
